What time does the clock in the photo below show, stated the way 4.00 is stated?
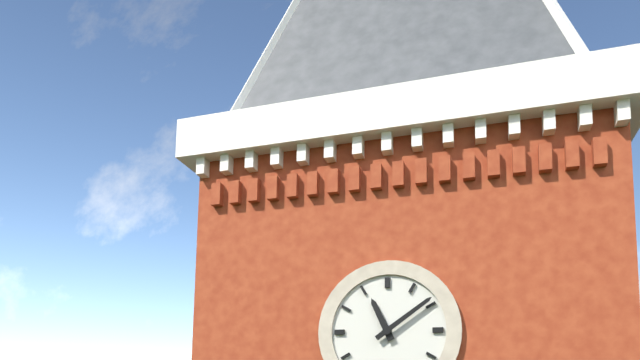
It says 11.09
